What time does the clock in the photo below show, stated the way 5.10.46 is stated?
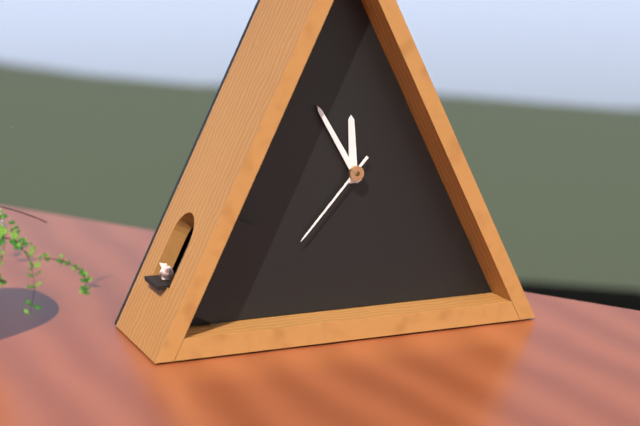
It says 11.55.37
